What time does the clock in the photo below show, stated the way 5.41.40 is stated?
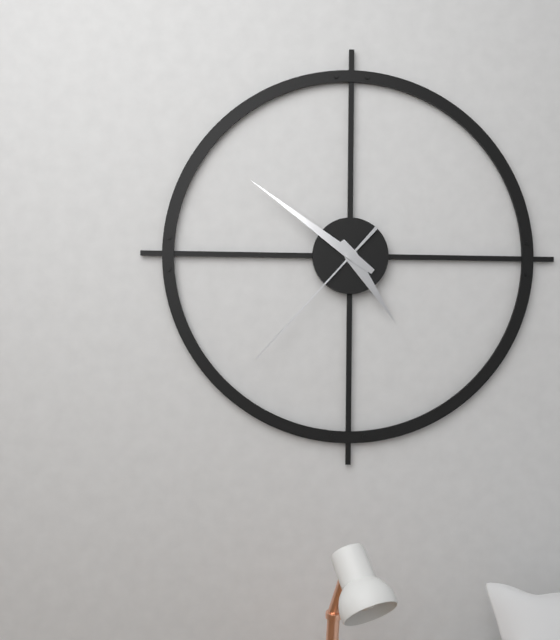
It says 4.51.37
